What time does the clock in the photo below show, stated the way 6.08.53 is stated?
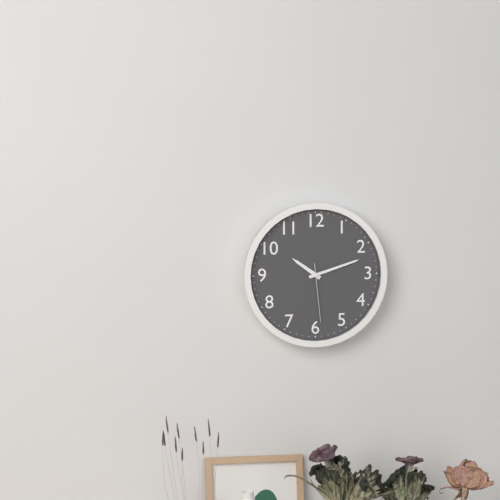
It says 10.12.29
